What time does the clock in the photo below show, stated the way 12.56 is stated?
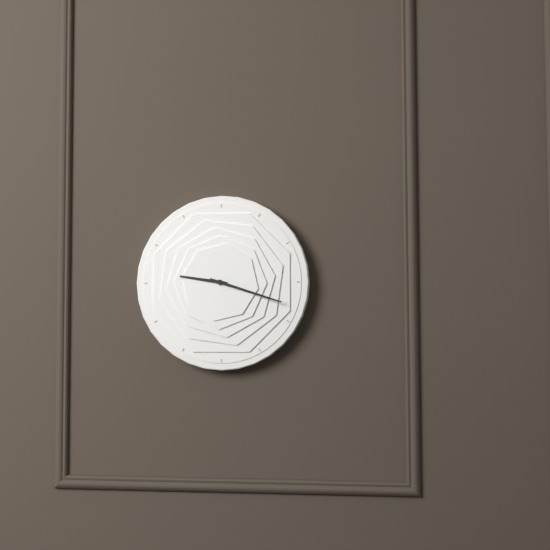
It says 9.18
